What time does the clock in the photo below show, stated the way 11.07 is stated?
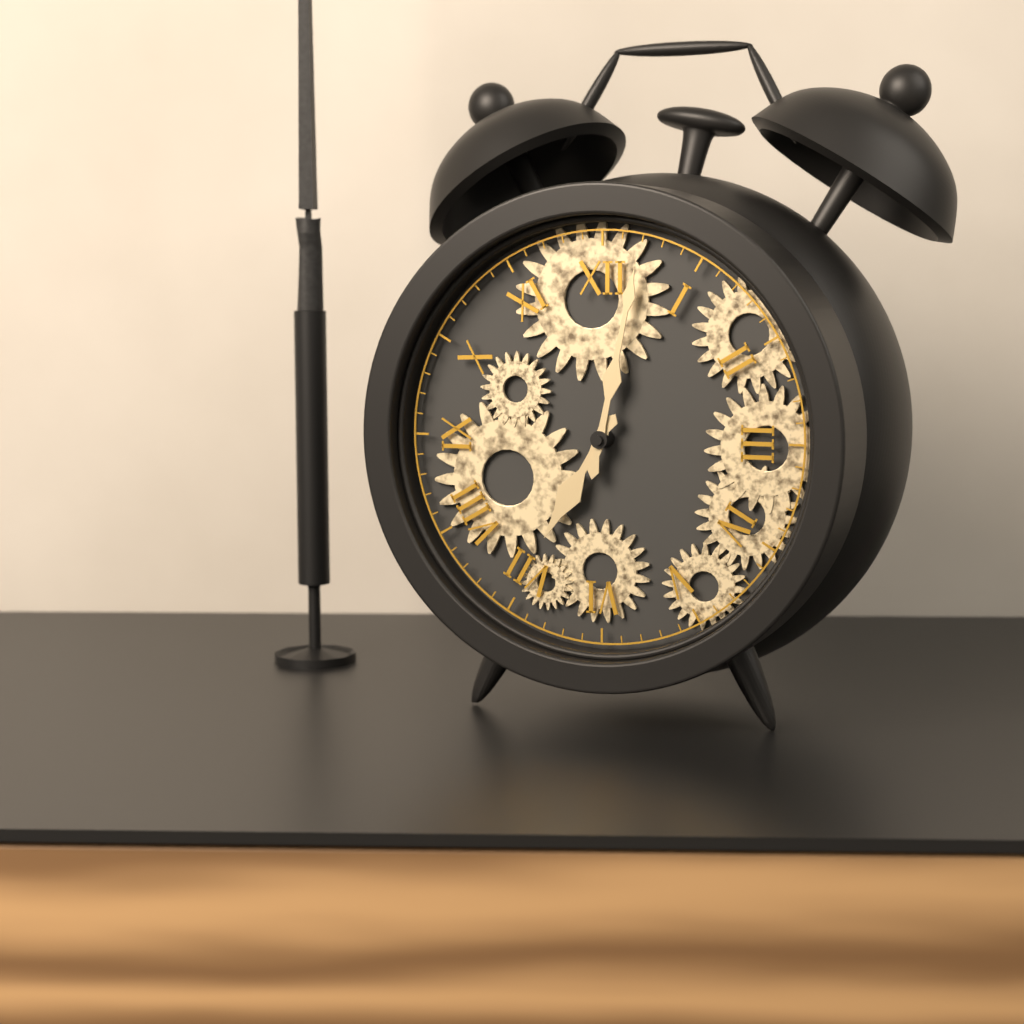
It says 7.02
